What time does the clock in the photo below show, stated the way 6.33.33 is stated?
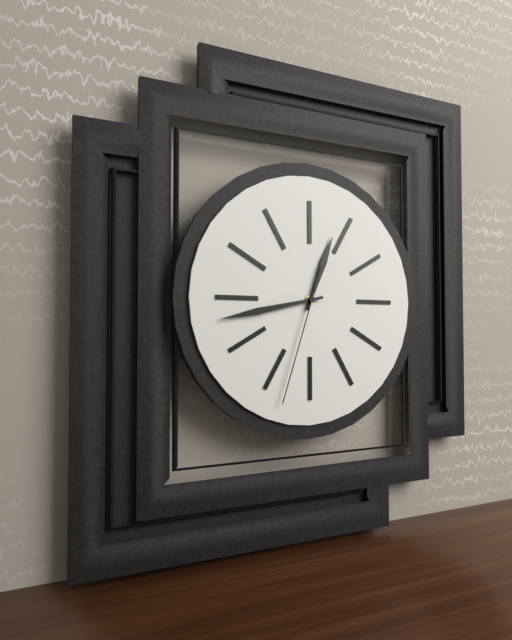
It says 12.43.33
